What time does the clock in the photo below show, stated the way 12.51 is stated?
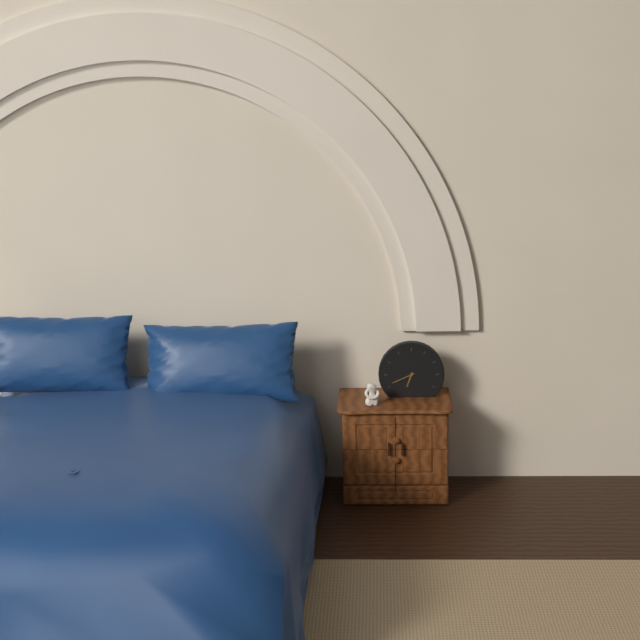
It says 6.41
